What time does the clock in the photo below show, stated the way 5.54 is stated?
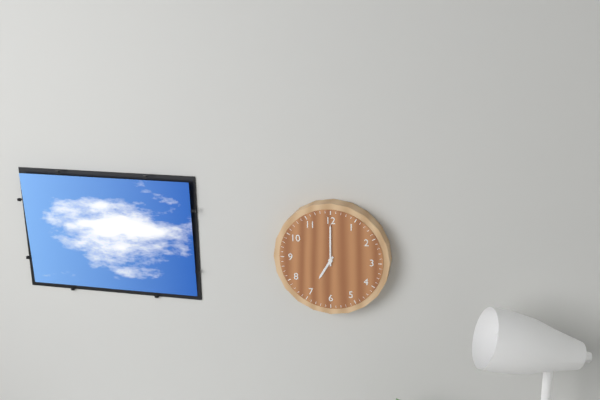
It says 7.00
